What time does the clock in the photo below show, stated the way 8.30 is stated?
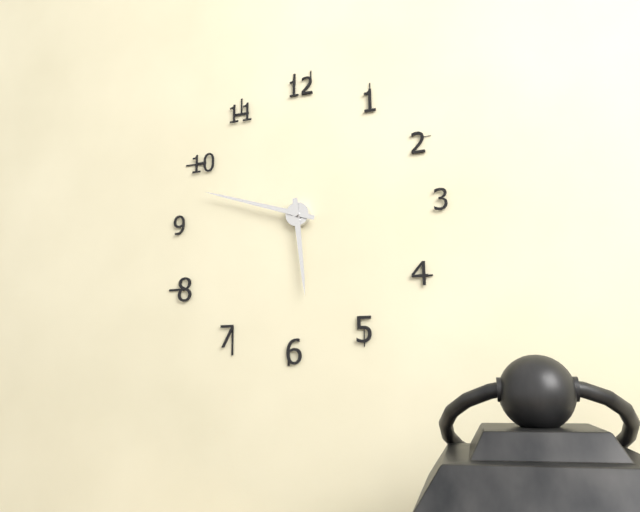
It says 5.48
